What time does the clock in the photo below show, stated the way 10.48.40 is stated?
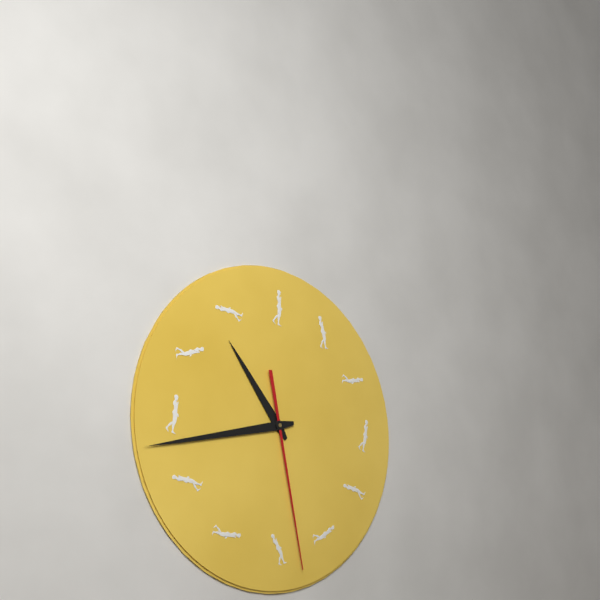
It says 10.43.28
